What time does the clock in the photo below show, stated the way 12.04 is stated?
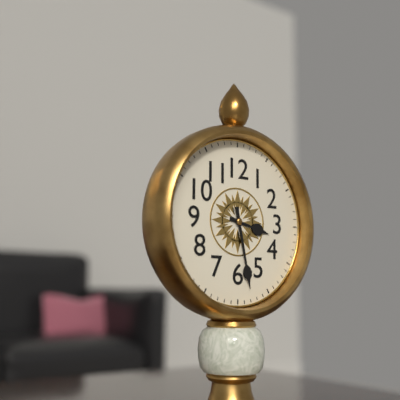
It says 3.28
